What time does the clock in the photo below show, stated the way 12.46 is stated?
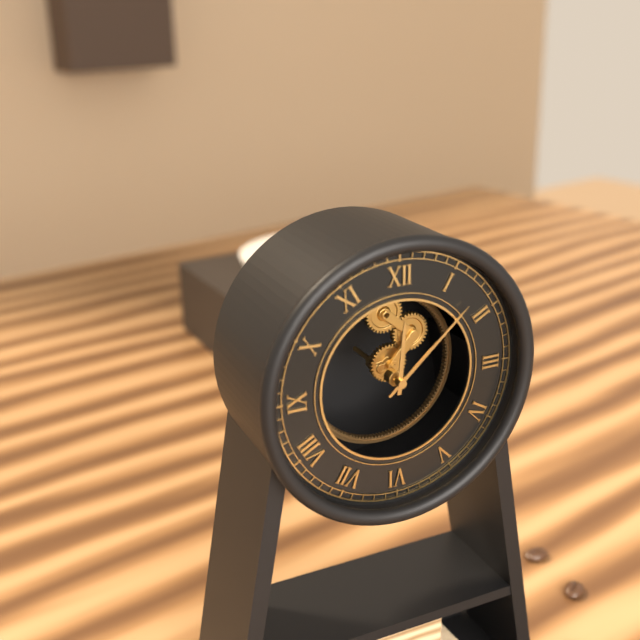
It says 12.08
